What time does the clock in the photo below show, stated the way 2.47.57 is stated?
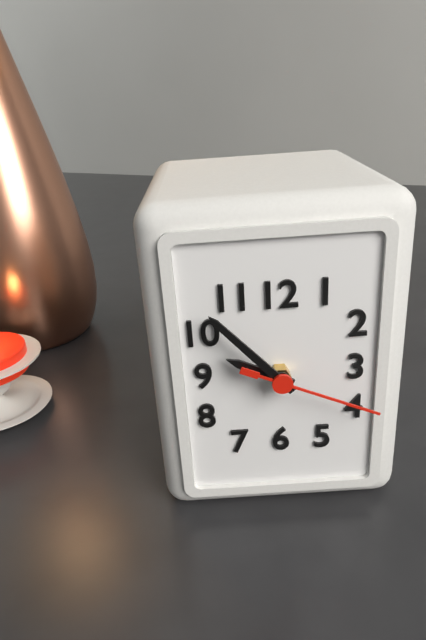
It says 9.53.19
